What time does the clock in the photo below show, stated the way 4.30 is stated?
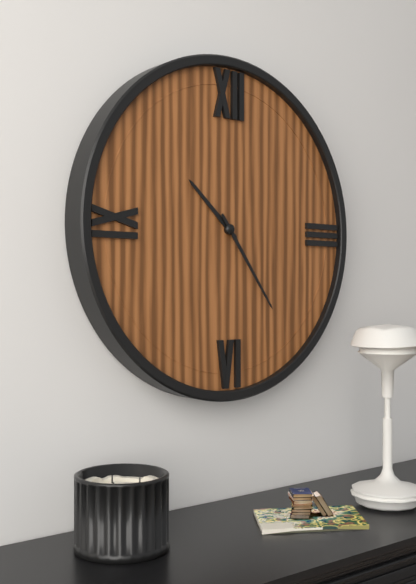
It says 10.24
